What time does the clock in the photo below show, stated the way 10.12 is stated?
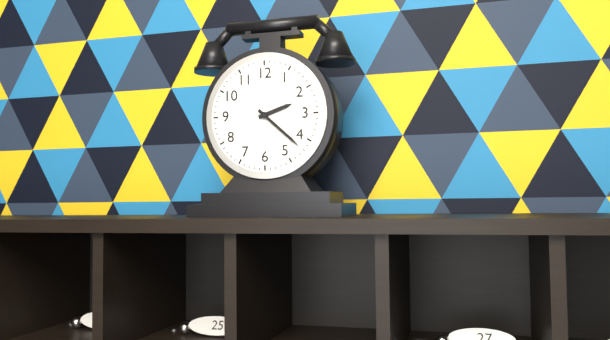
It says 2.22
